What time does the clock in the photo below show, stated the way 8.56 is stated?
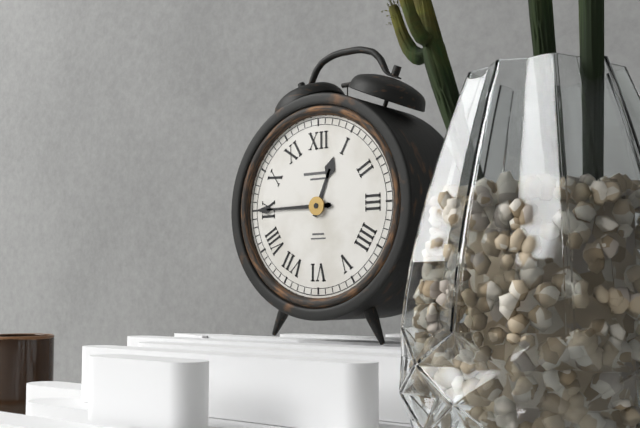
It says 12.45
